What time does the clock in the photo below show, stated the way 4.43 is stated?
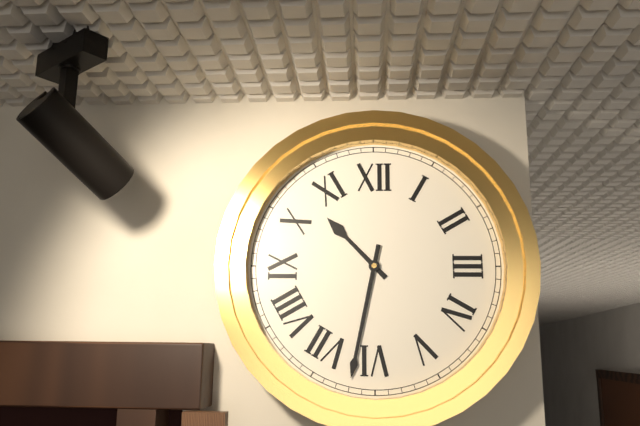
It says 10.32
